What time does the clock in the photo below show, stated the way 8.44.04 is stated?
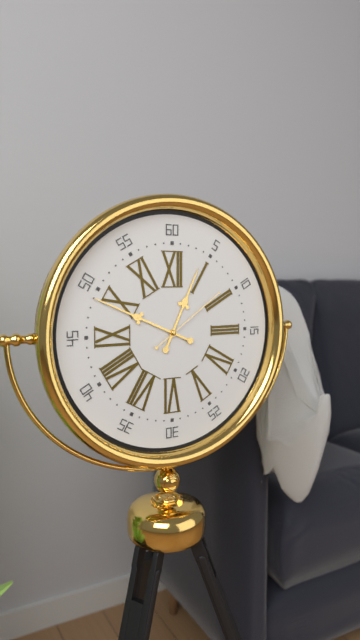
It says 12.49.09
